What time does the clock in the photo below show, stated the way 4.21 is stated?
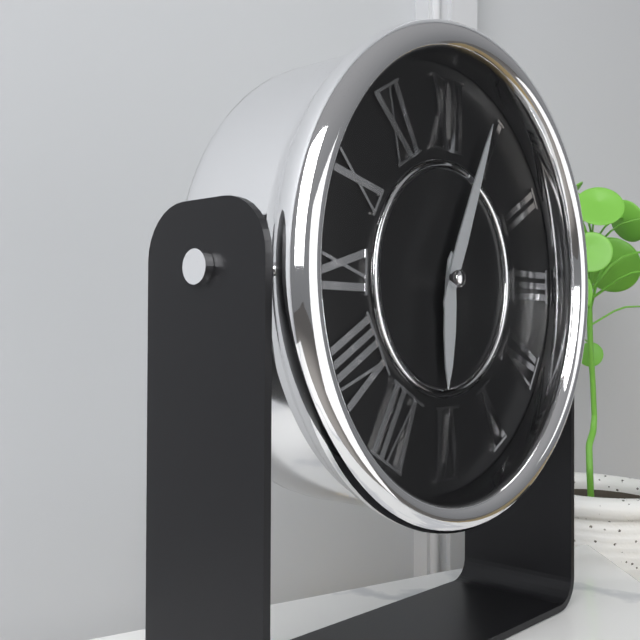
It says 6.04
